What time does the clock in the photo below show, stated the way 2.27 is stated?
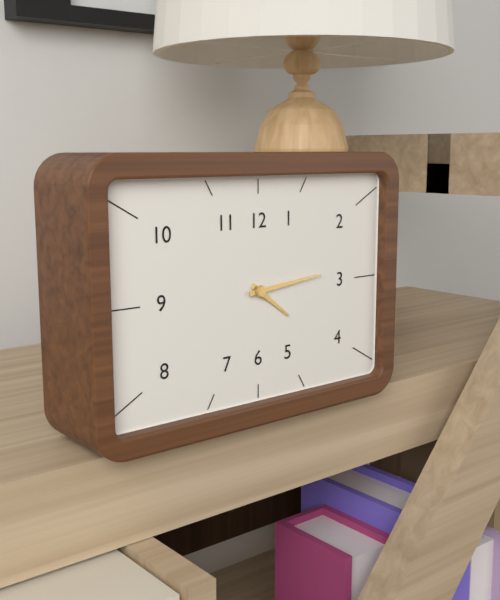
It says 4.14
